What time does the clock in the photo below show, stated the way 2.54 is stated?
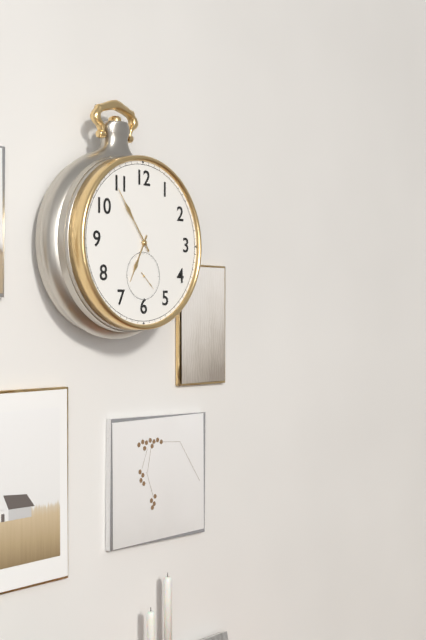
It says 6.54
